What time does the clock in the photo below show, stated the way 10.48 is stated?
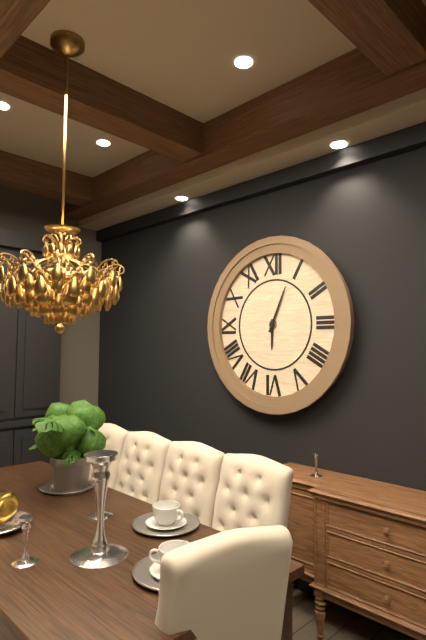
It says 6.04
